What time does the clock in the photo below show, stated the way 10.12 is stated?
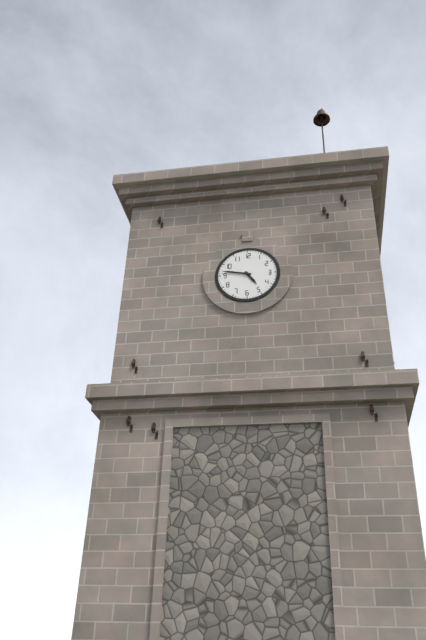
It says 4.47
